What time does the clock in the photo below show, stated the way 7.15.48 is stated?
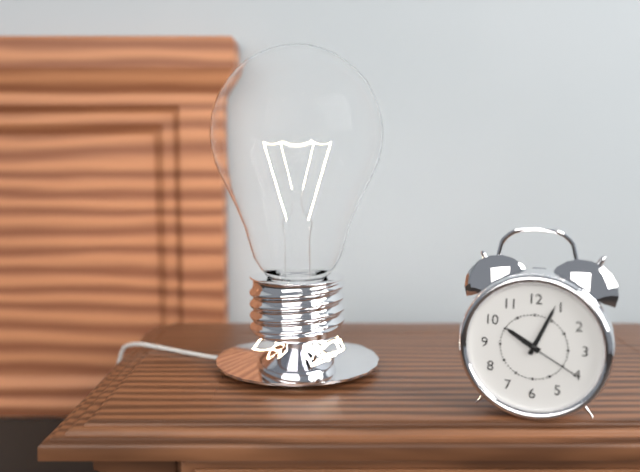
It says 10.04.20
